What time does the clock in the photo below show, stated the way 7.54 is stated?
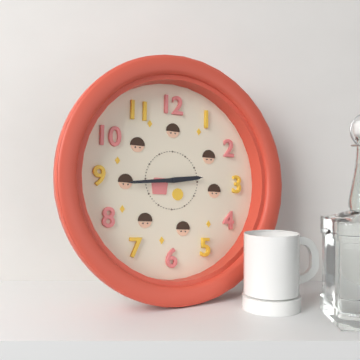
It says 2.44
